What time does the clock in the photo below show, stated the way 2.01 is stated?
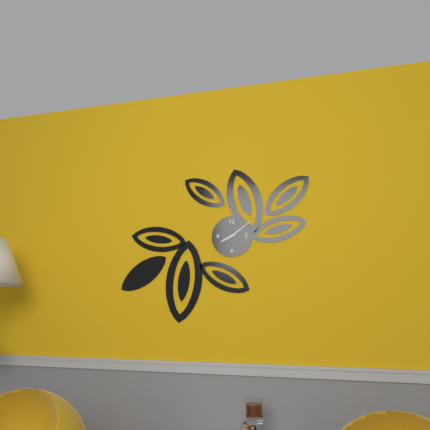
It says 8.09
